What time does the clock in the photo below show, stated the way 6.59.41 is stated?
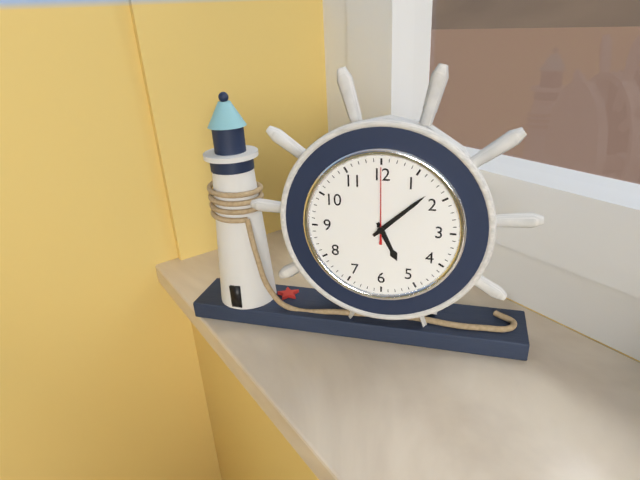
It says 5.08.00
